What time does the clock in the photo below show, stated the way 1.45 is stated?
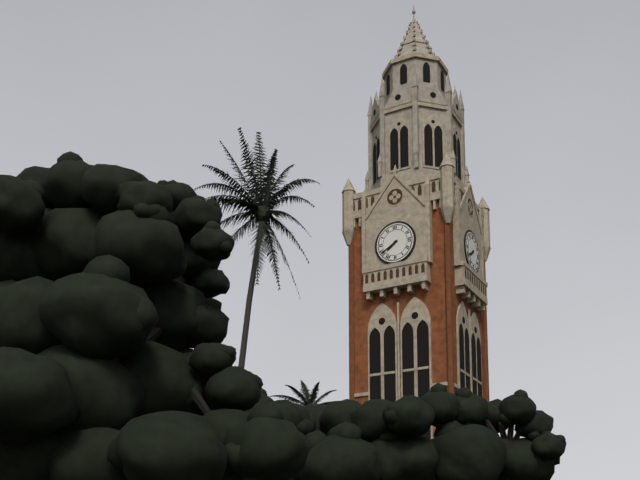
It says 7.40
